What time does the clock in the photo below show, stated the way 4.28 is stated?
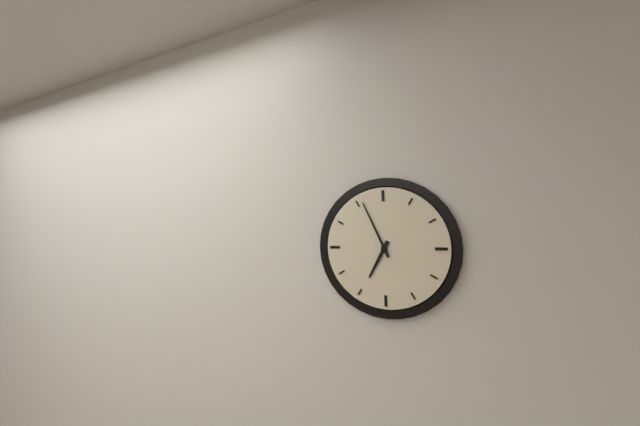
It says 6.56
